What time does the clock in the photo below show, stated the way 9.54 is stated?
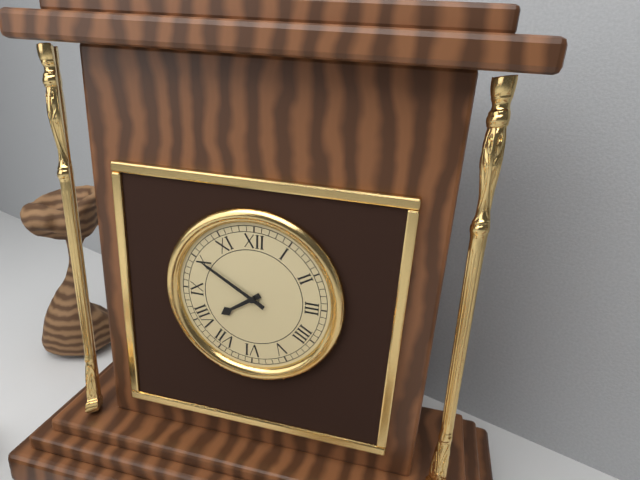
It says 7.50
